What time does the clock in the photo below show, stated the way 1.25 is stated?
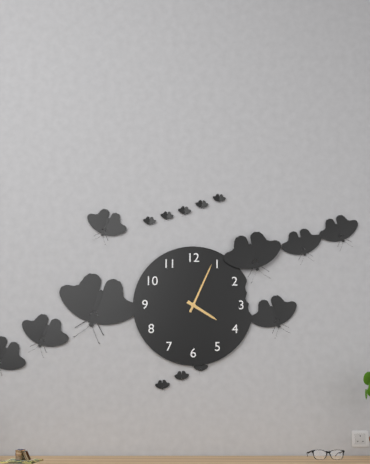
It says 4.04
